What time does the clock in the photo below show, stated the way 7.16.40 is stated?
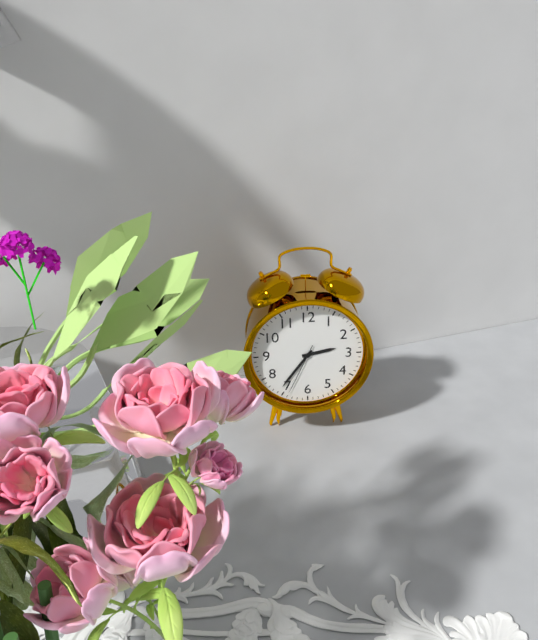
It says 2.36.34
